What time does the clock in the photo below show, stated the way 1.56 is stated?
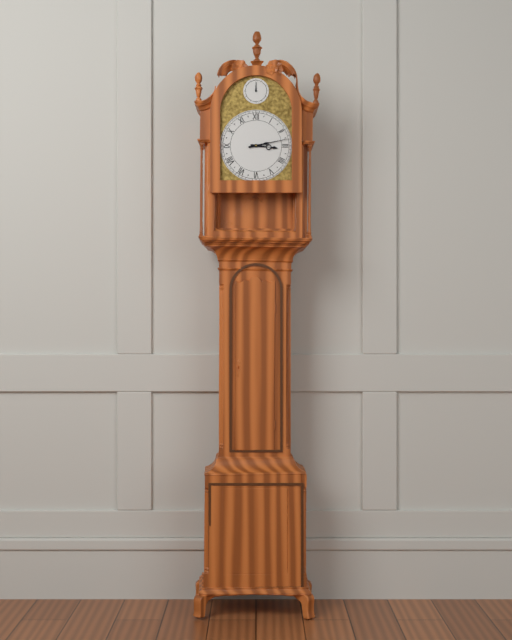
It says 3.13
